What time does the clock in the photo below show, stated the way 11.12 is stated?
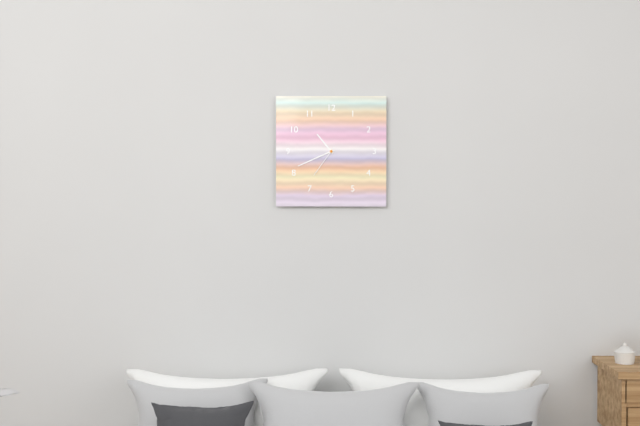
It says 10.41
